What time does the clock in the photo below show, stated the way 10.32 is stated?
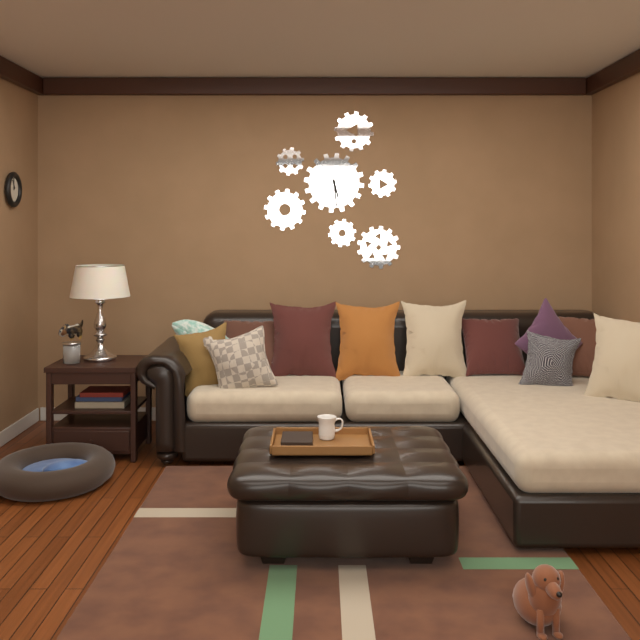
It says 5.29
